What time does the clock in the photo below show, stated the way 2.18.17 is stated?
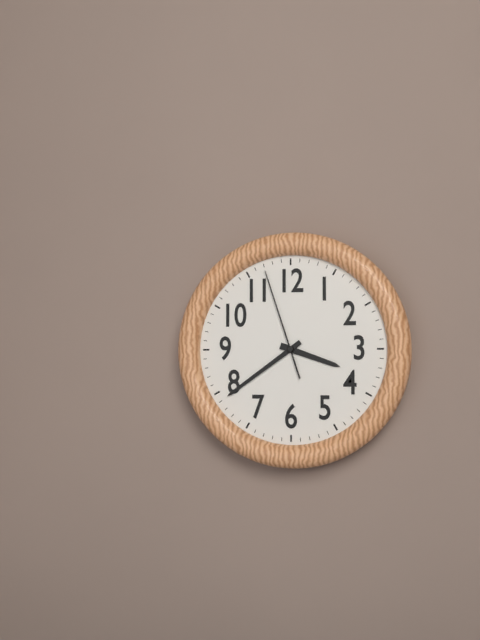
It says 3.39.57
